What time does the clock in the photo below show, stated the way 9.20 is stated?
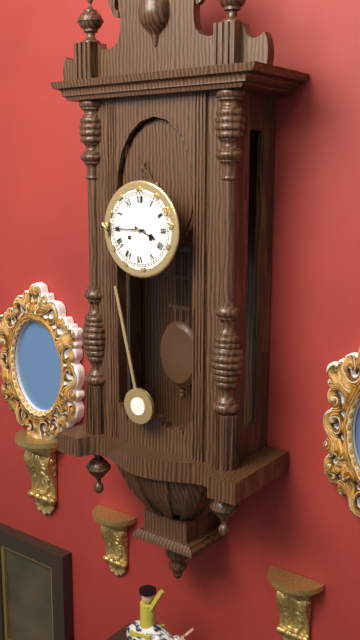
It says 3.45
